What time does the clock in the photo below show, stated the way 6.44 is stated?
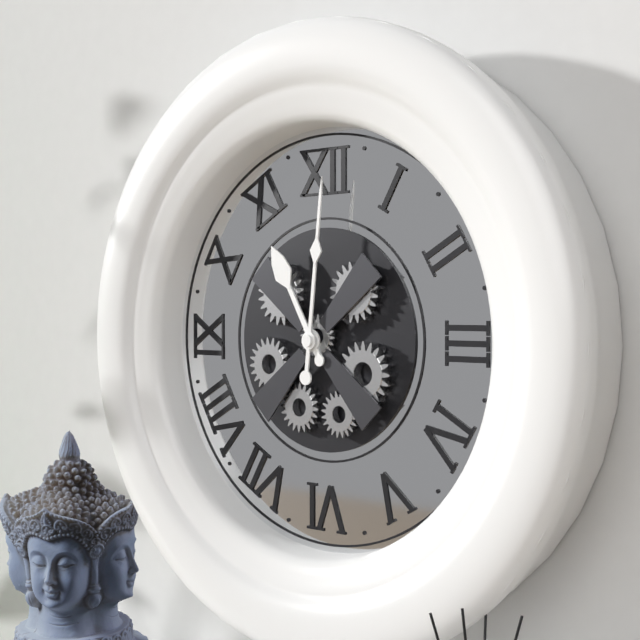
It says 11.01
